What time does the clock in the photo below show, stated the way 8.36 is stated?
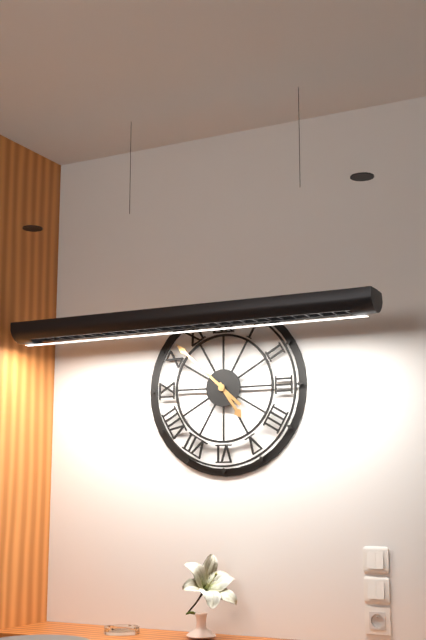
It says 4.52
